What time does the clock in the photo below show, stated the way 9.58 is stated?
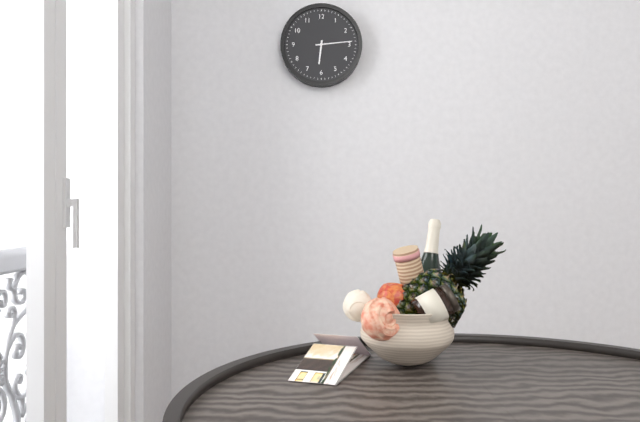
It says 6.14
